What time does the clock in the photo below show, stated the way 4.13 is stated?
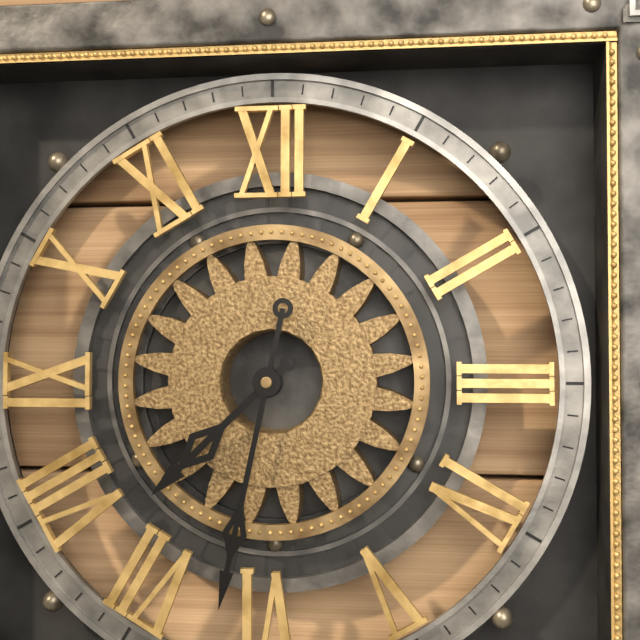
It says 7.32
